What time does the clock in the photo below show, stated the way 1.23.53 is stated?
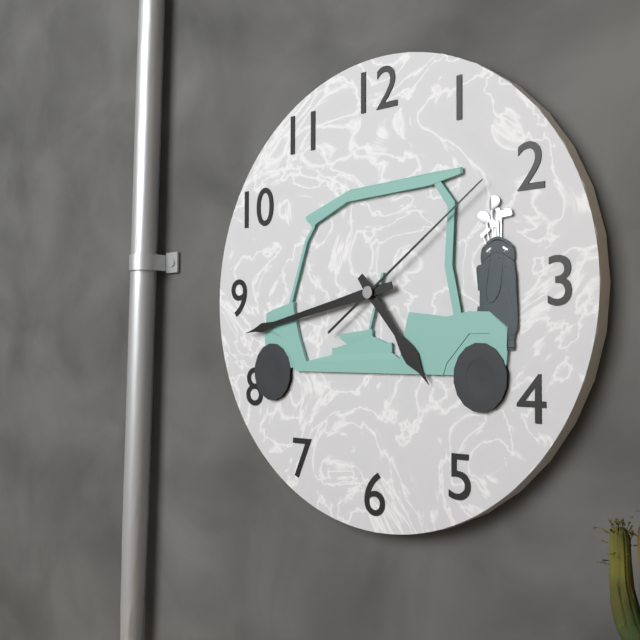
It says 4.43.09
